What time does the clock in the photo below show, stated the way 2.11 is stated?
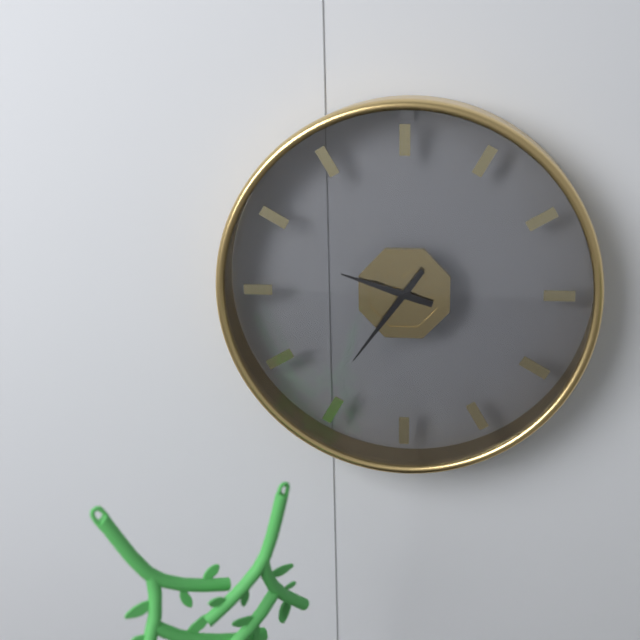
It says 9.36
